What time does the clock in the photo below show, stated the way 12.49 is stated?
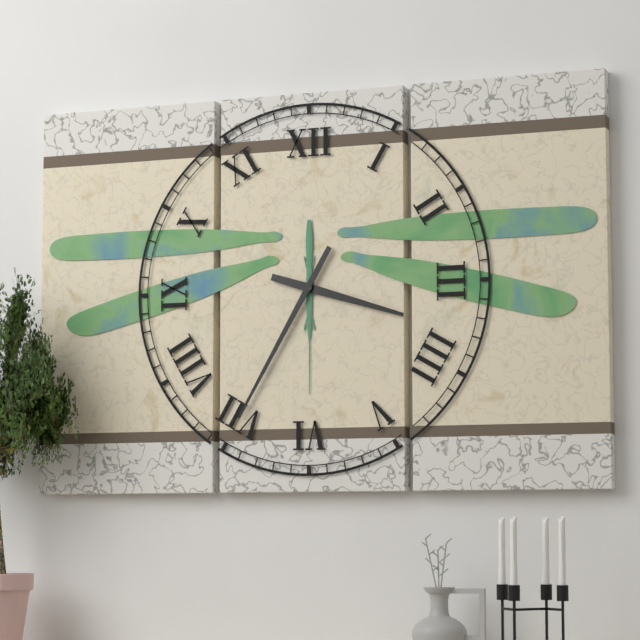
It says 3.35
